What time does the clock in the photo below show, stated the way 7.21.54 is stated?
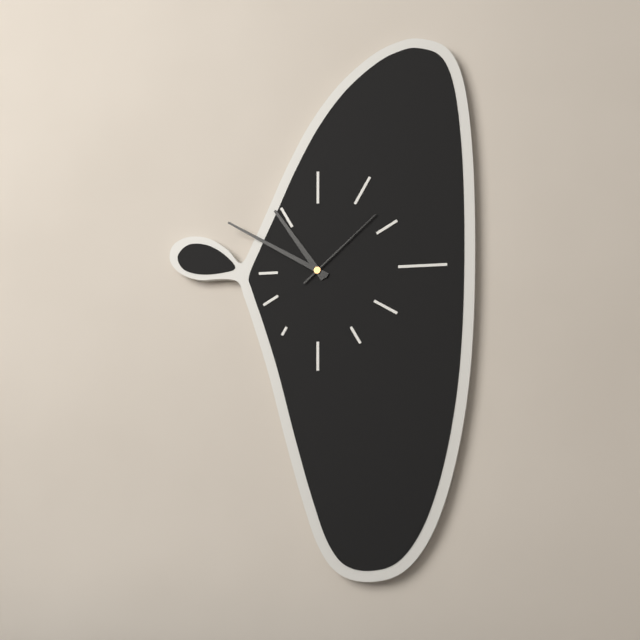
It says 10.50.08
